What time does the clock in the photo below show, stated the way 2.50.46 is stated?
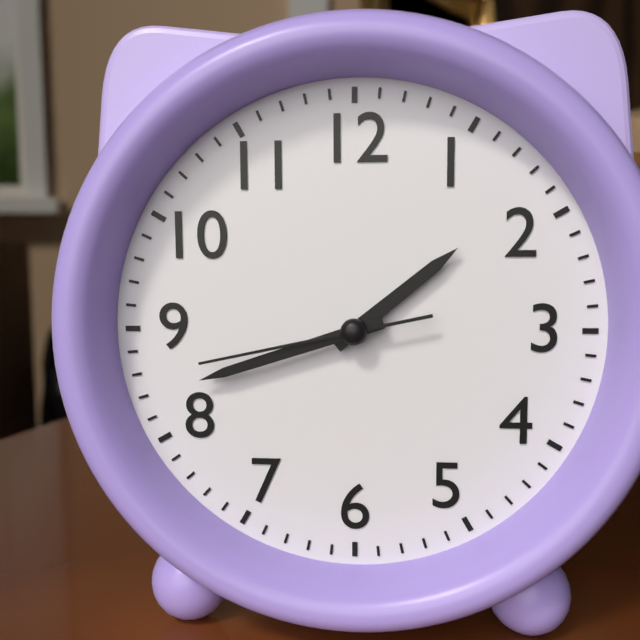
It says 1.42.43
